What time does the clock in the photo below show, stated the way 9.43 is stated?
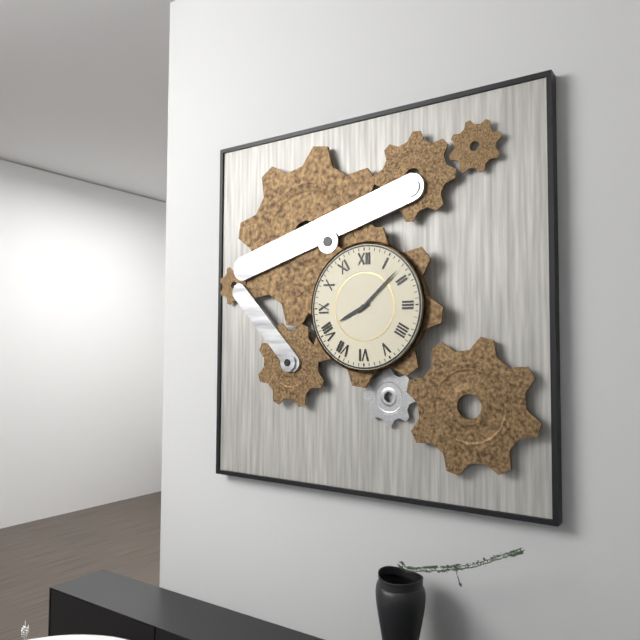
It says 8.08
